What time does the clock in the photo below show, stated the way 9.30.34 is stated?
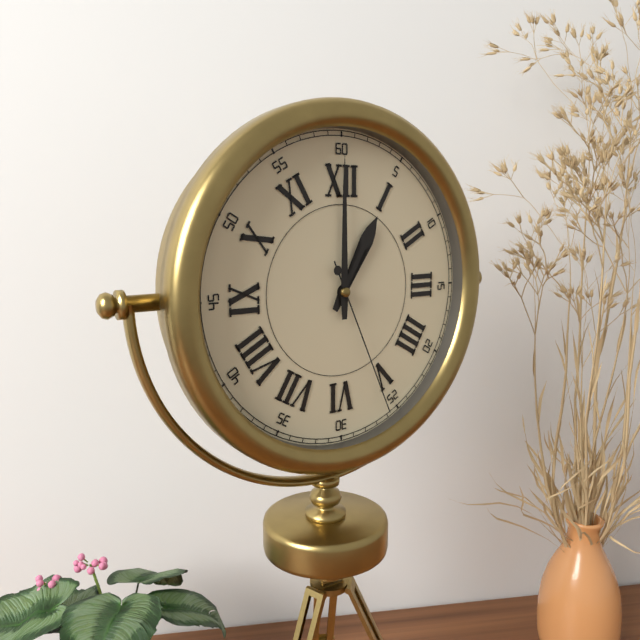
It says 1.00.26
